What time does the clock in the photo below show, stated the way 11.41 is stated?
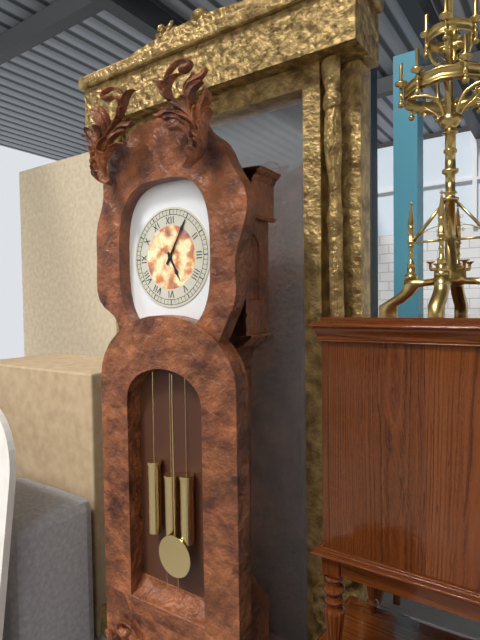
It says 5.05
